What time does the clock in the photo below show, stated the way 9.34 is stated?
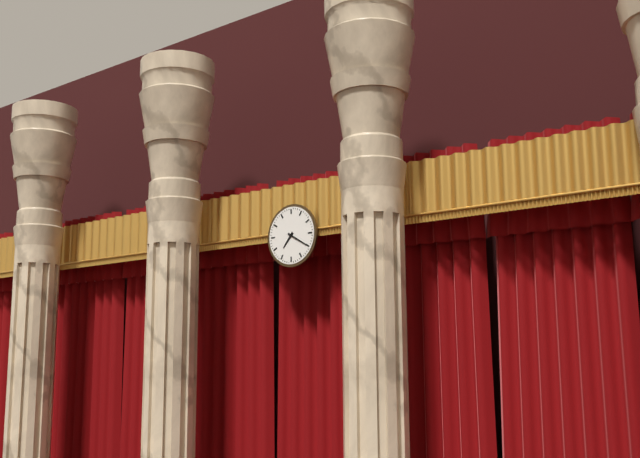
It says 7.20
